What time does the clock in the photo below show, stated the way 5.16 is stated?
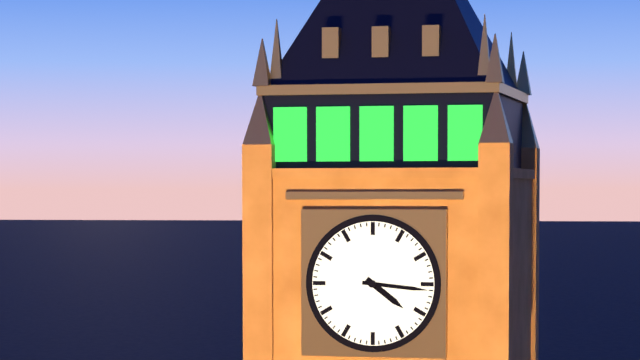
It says 4.16
